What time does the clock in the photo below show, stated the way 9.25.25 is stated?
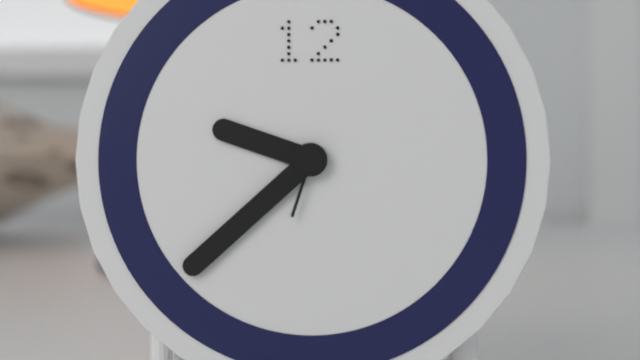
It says 9.38.33
